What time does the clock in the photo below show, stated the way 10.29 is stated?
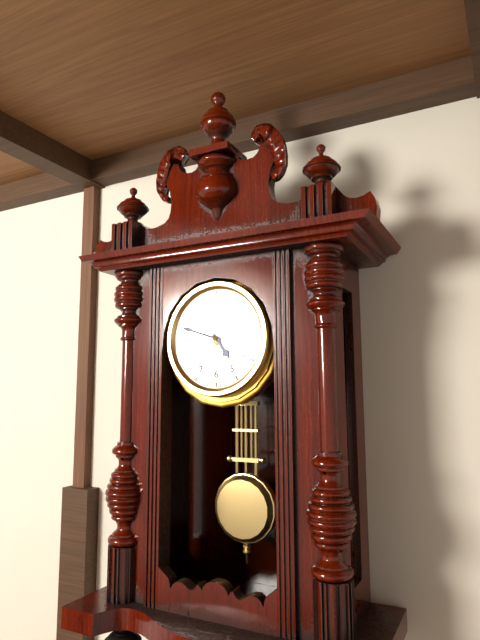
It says 4.48
